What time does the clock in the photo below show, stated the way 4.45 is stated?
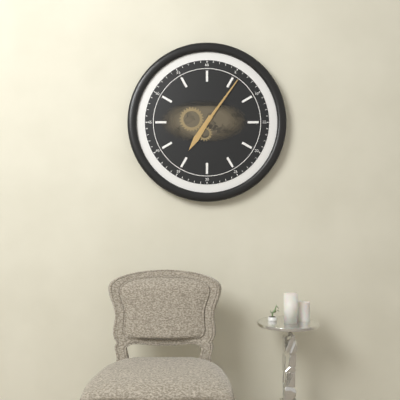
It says 7.06
